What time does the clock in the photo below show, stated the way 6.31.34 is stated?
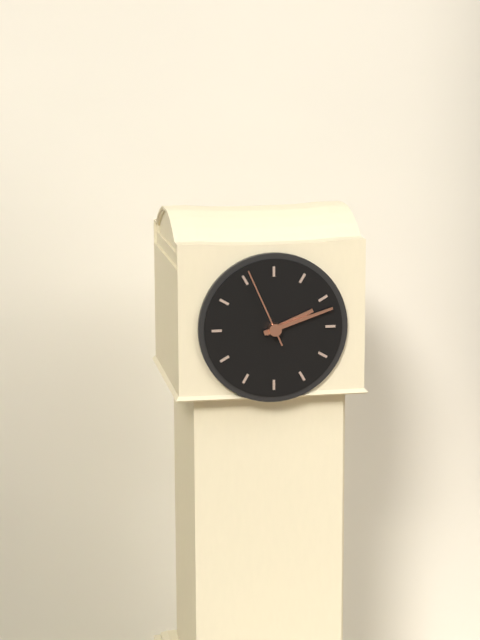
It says 2.12.56
